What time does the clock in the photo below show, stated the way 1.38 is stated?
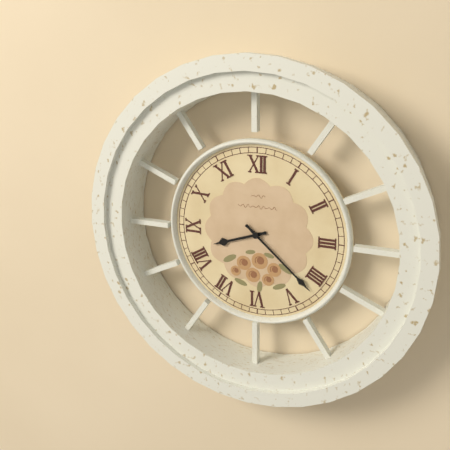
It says 8.22
